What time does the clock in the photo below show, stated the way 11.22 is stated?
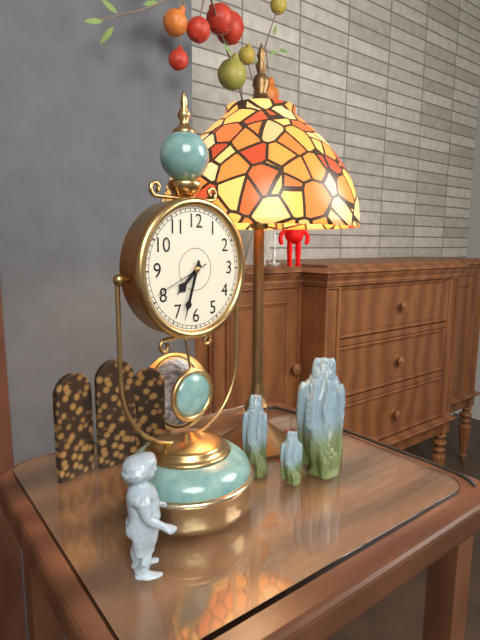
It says 7.33
